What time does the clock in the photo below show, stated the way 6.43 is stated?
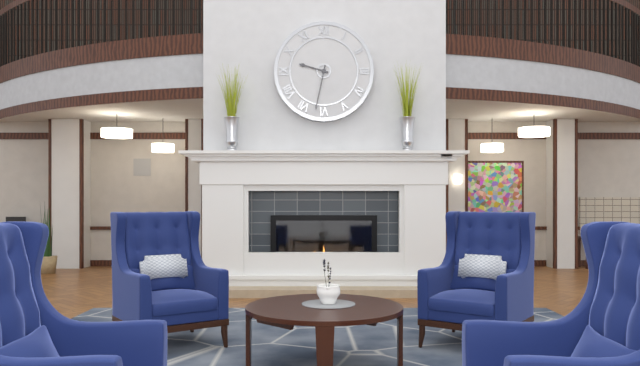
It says 9.32
